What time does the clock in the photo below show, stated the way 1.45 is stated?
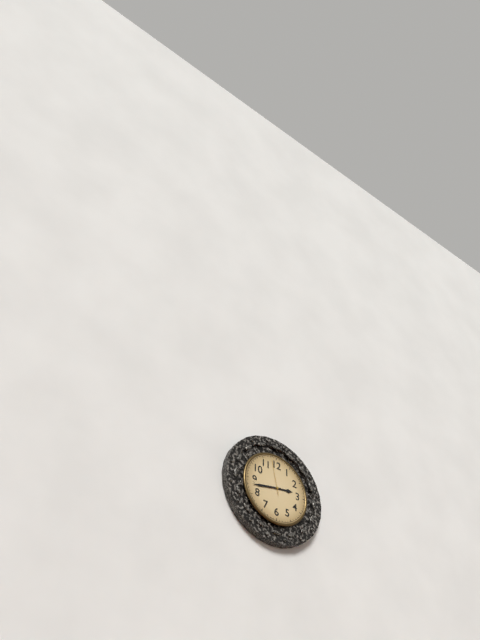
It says 2.43
